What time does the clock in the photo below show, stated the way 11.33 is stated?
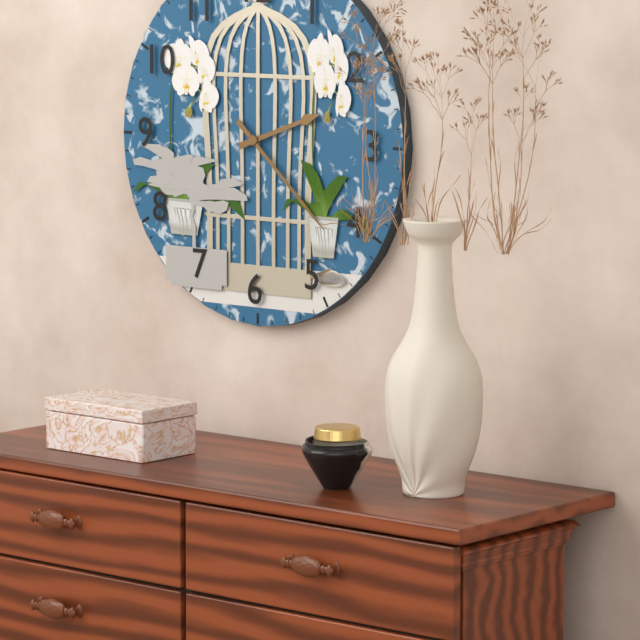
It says 2.22
